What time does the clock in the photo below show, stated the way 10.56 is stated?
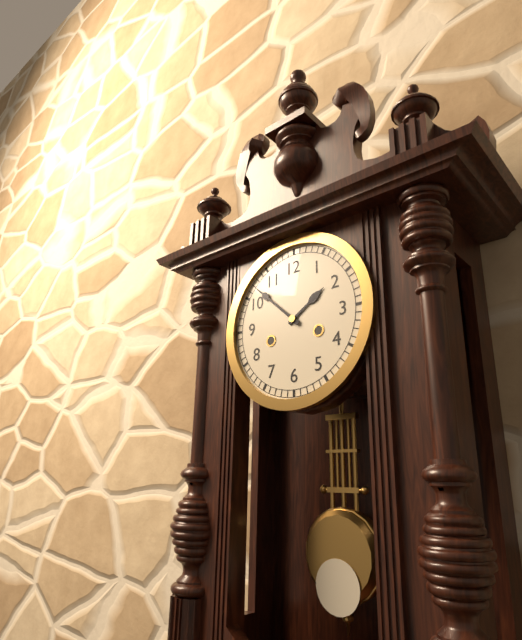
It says 1.52
